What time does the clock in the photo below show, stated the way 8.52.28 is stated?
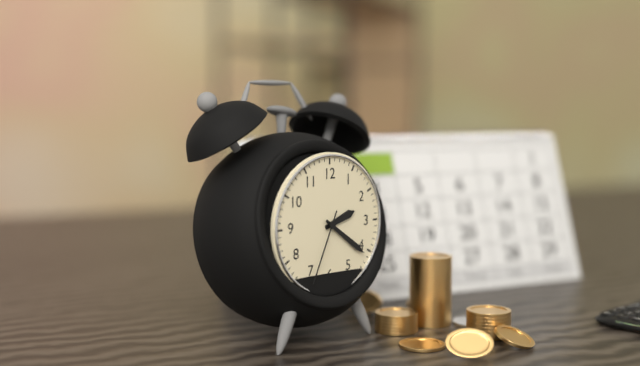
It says 2.21.34
